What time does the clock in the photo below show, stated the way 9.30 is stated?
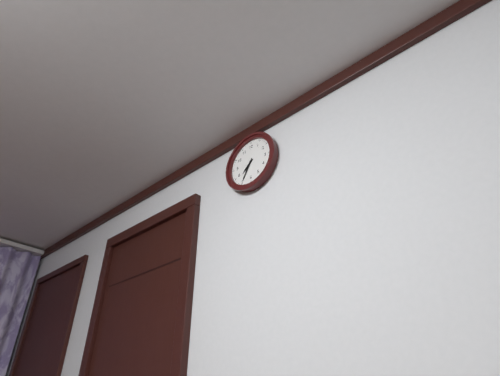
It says 7.35
